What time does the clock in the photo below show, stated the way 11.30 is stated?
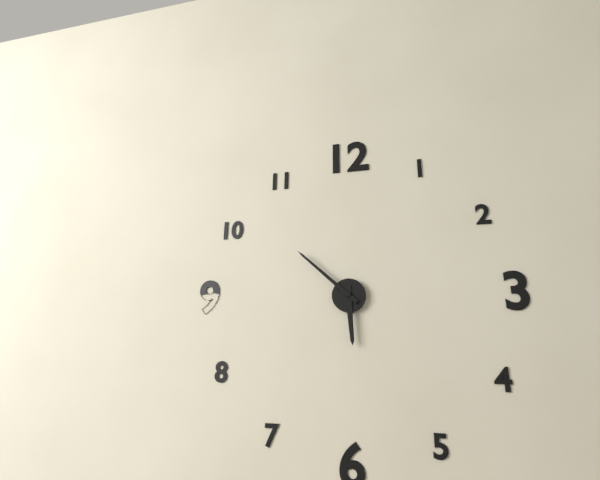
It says 5.52
